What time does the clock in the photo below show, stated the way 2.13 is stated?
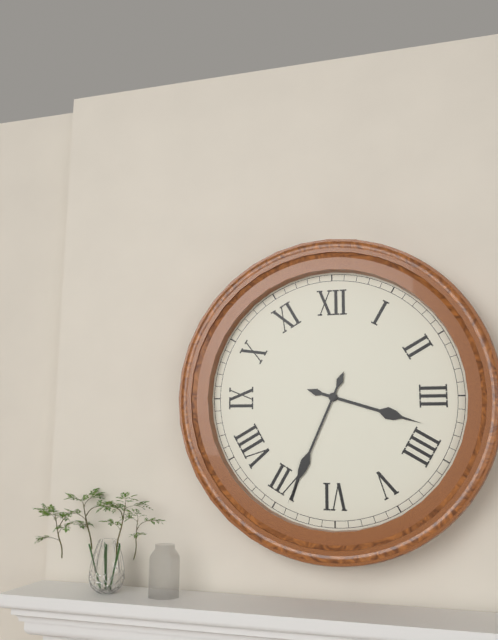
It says 3.34
